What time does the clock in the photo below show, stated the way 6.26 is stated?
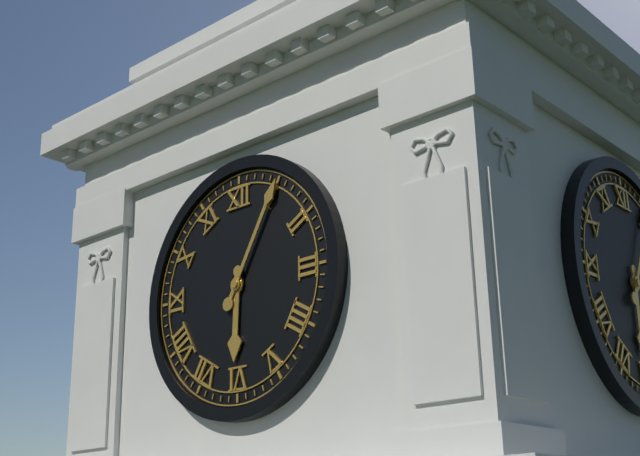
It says 6.05
